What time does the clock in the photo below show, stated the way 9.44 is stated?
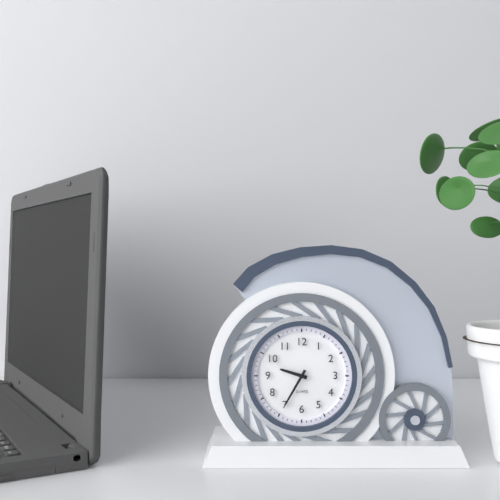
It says 9.35
